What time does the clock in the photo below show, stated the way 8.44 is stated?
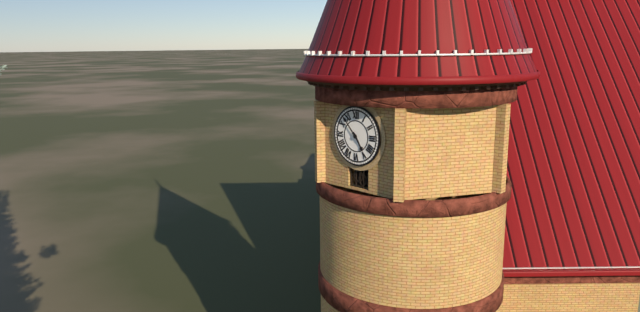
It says 4.53
